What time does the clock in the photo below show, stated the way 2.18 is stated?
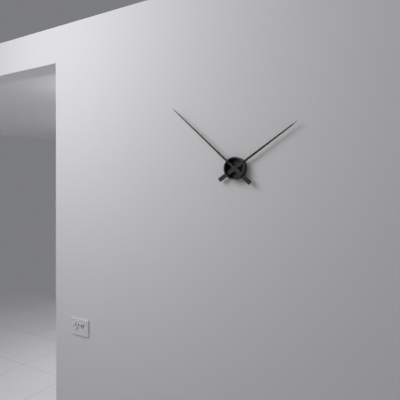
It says 1.52
